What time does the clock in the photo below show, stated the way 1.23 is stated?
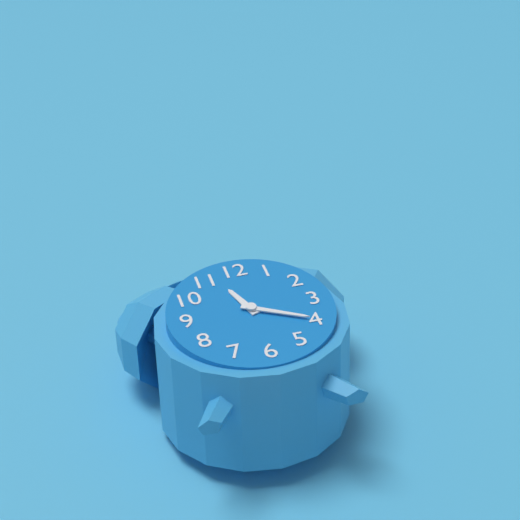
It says 11.20
